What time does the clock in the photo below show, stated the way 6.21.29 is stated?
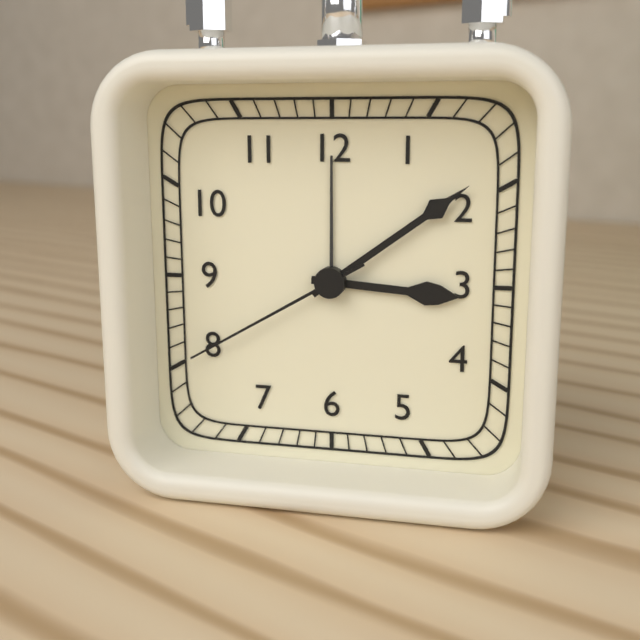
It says 3.09.40
